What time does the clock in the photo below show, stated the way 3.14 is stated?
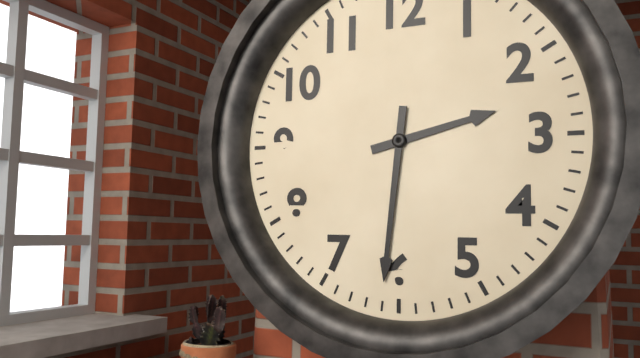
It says 2.31
